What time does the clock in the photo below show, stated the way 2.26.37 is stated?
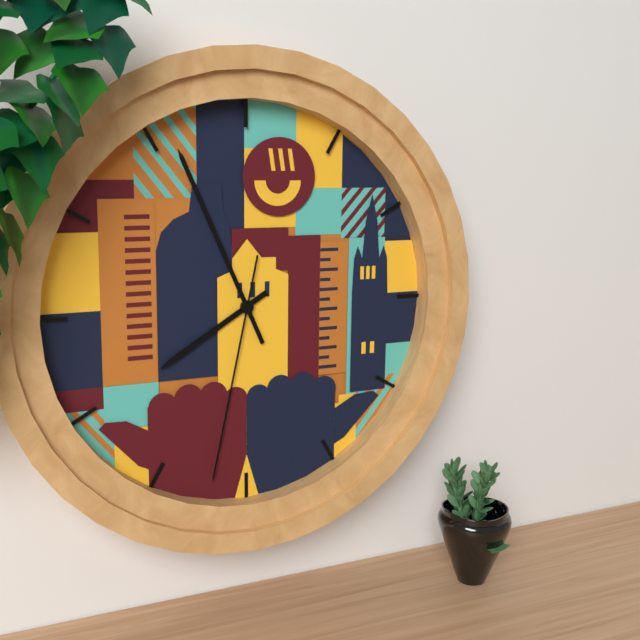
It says 7.56.32
